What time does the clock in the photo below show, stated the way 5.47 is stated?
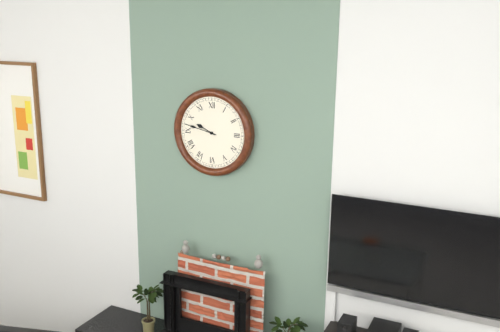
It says 9.47
